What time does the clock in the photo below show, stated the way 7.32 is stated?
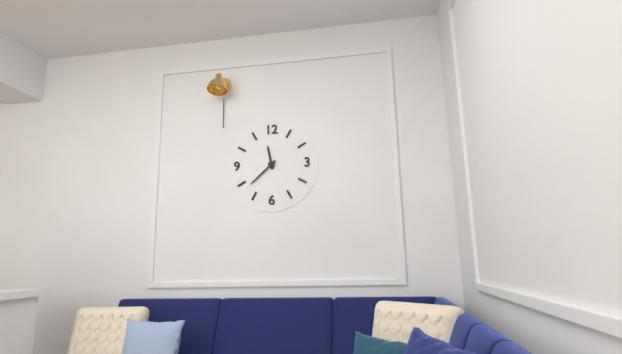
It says 11.38
